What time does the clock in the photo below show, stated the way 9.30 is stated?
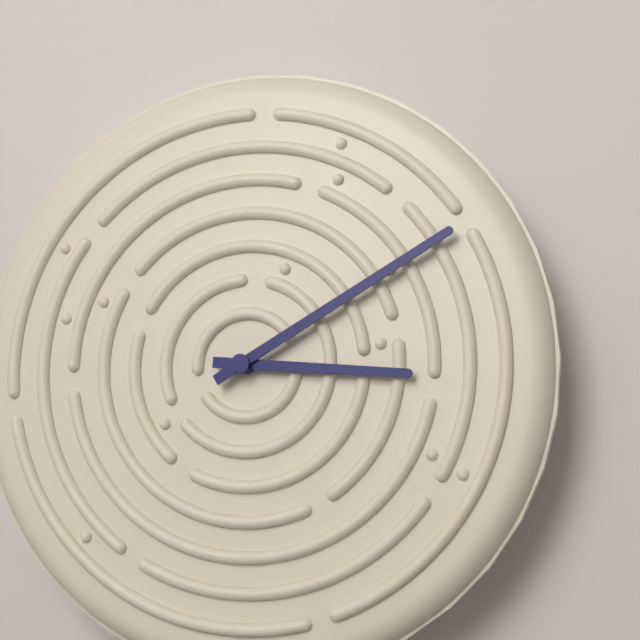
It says 3.10
